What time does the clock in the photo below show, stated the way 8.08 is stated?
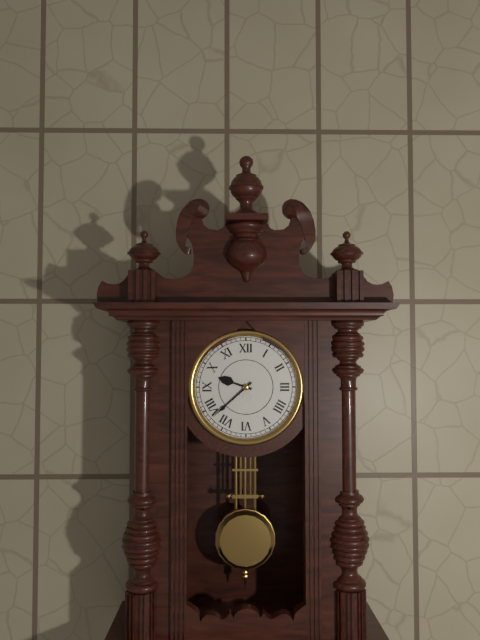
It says 9.38
